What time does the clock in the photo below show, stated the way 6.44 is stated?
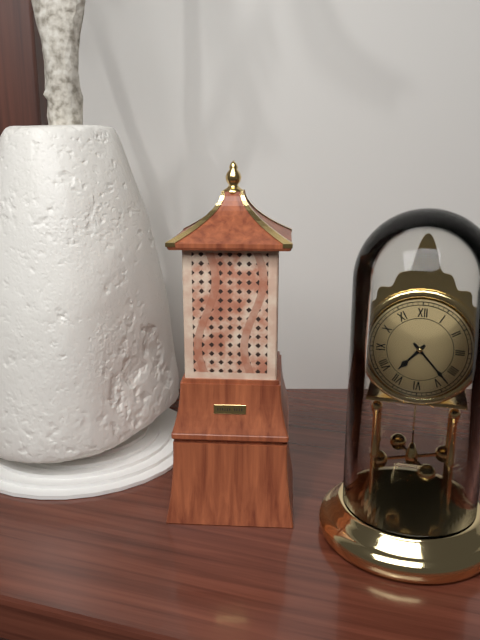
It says 7.23
